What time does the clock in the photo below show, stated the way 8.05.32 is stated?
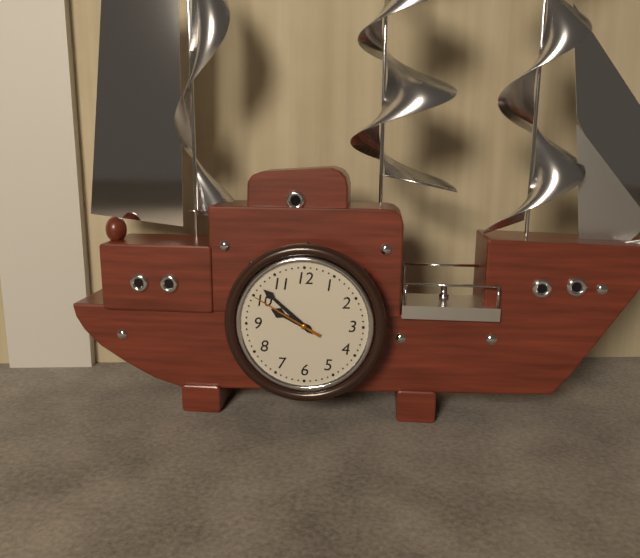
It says 9.52.50
